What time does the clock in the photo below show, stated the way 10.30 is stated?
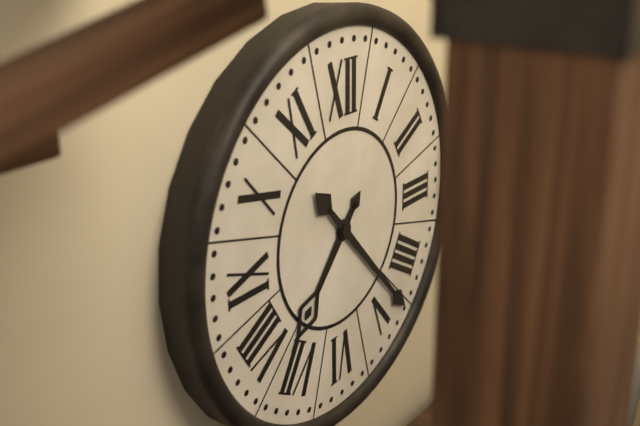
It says 7.23
